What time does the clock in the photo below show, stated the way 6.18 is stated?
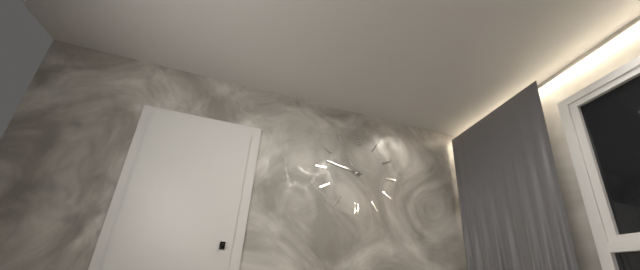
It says 10.47
